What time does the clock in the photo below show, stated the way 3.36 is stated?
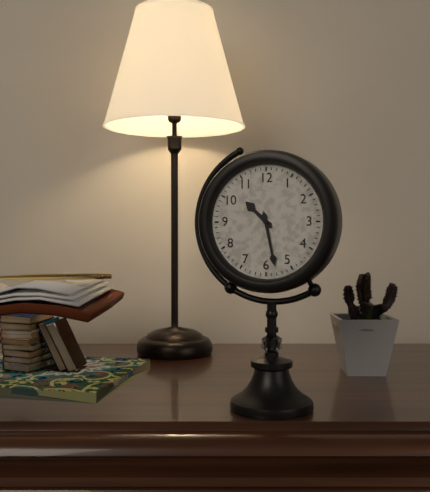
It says 10.28
